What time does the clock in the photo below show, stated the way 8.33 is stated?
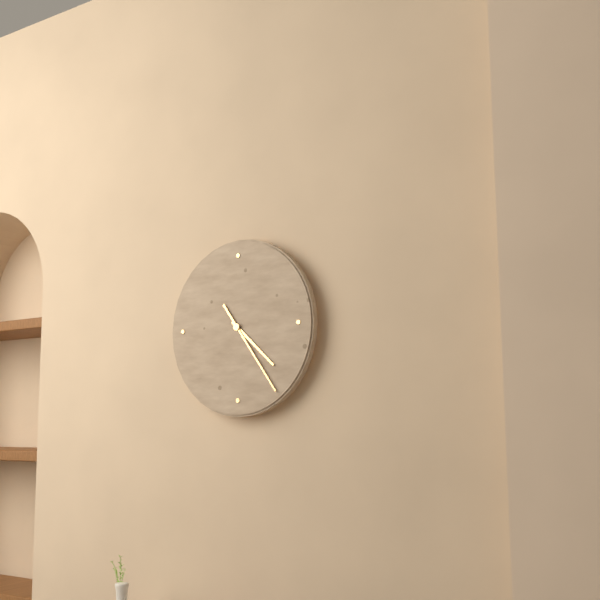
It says 4.24
